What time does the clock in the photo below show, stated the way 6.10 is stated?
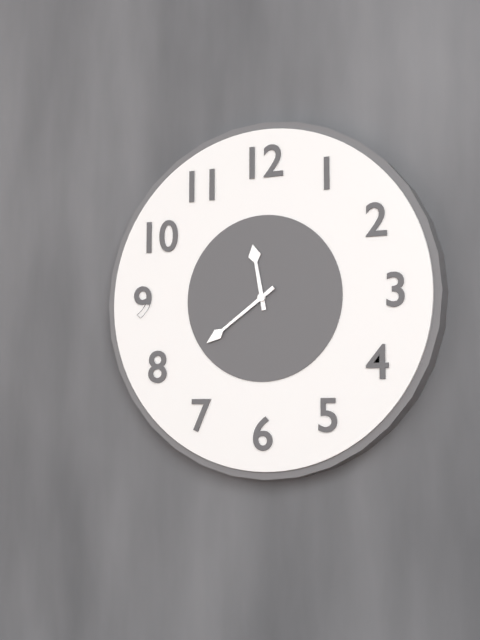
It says 11.39
